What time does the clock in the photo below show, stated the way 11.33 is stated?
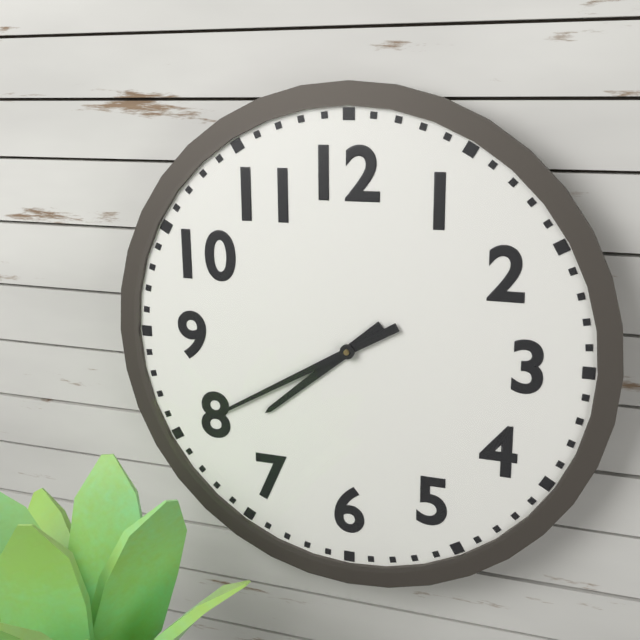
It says 7.40
